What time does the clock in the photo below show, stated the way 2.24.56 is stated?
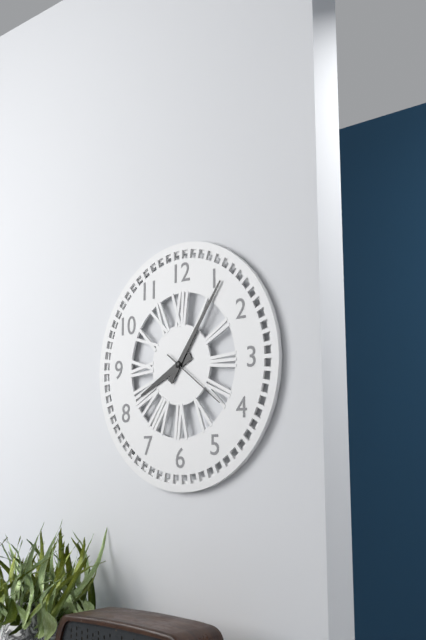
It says 8.06.21
